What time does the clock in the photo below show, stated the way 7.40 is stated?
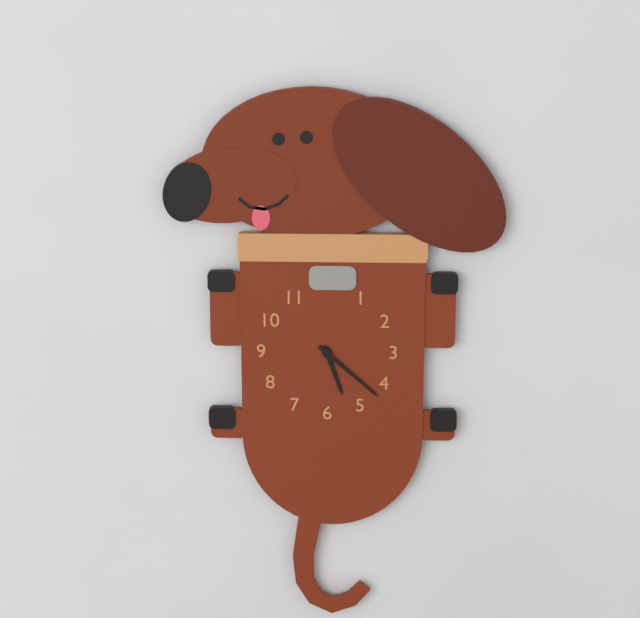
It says 5.22
